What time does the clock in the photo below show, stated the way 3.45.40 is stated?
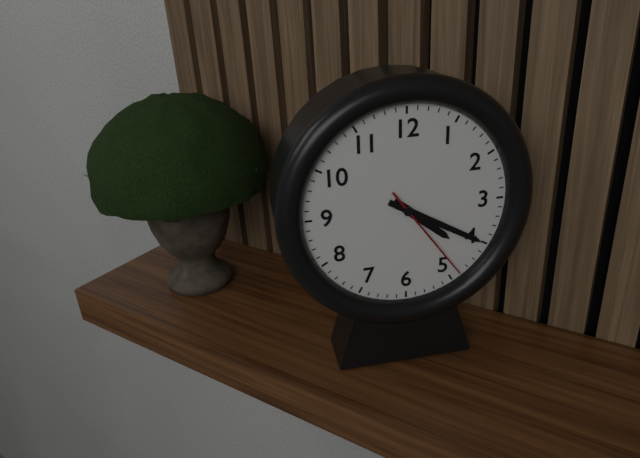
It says 4.20.24
